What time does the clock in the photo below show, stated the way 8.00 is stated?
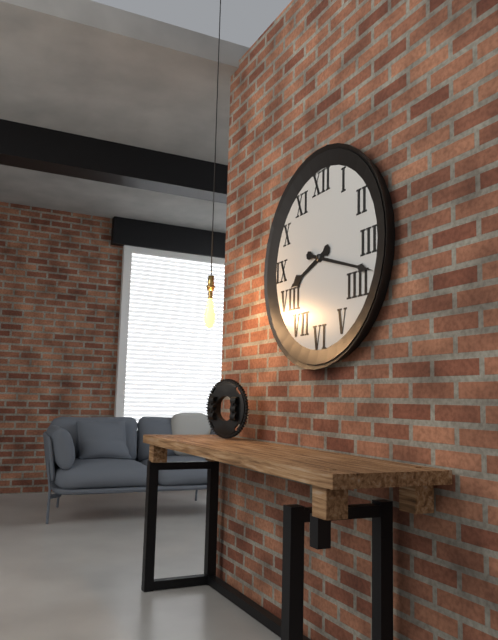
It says 8.18
